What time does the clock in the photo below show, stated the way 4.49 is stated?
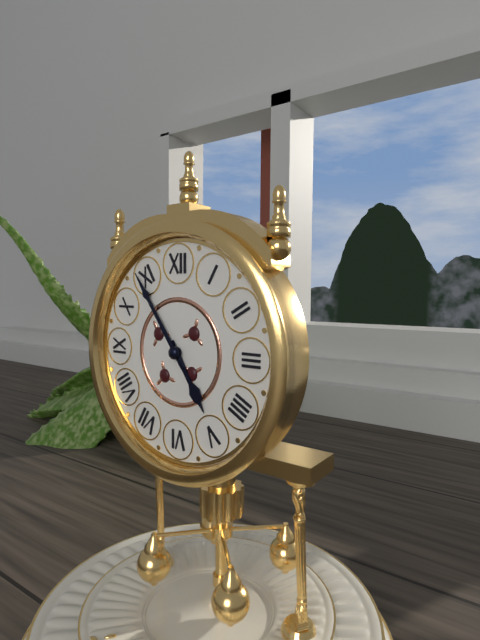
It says 4.54
